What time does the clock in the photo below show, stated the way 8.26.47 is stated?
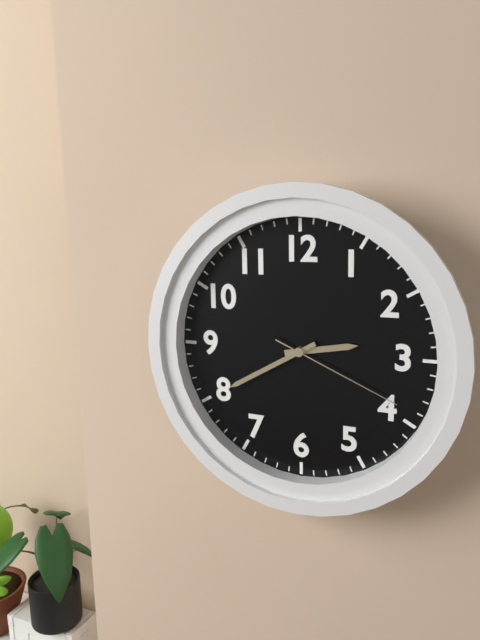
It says 2.40.19
